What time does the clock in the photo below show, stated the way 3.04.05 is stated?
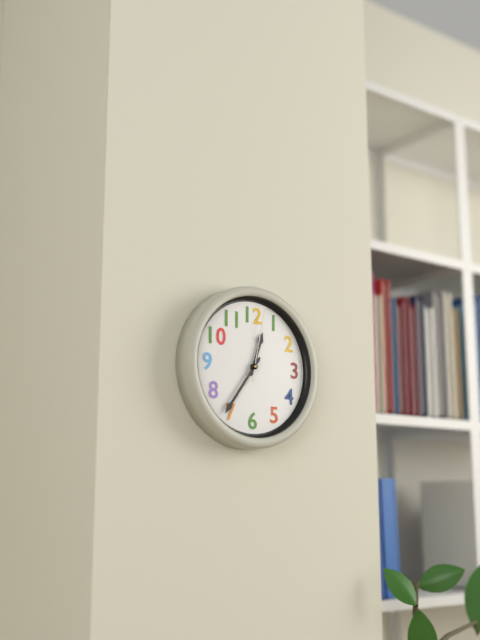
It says 12.36.02
